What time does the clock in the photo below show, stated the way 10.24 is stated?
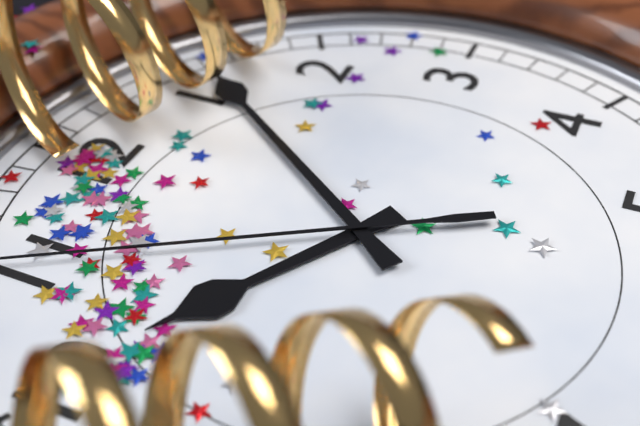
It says 10.06
